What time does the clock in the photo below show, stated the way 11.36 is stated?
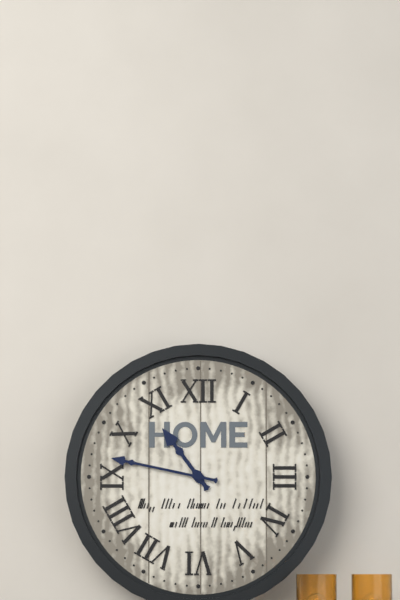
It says 10.47
